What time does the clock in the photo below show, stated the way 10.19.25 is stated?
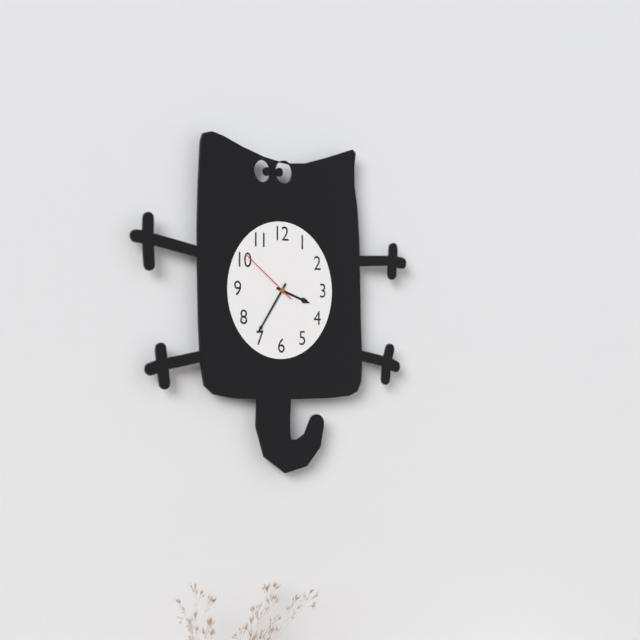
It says 3.36.51
